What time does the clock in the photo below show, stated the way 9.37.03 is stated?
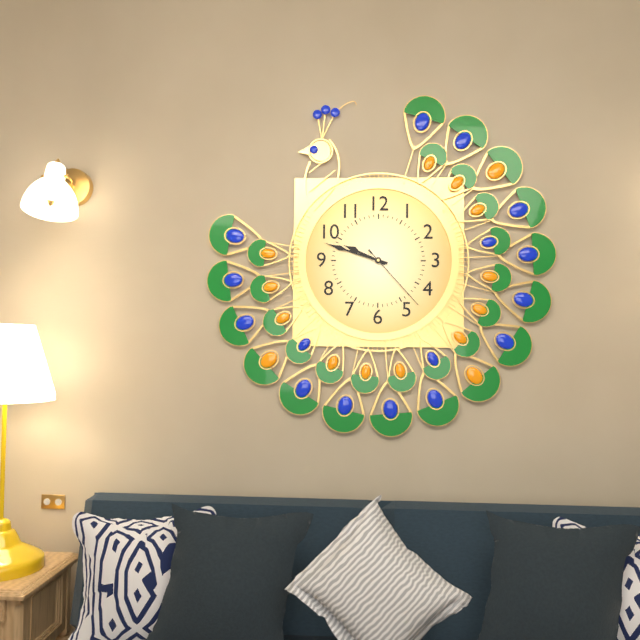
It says 9.48.23
